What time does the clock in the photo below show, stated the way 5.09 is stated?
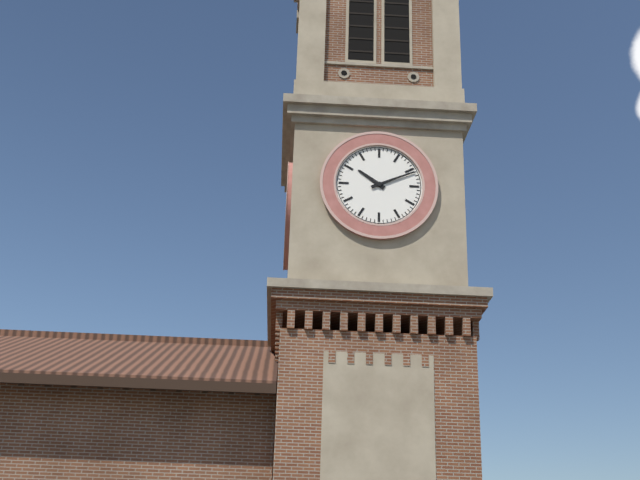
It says 10.11
